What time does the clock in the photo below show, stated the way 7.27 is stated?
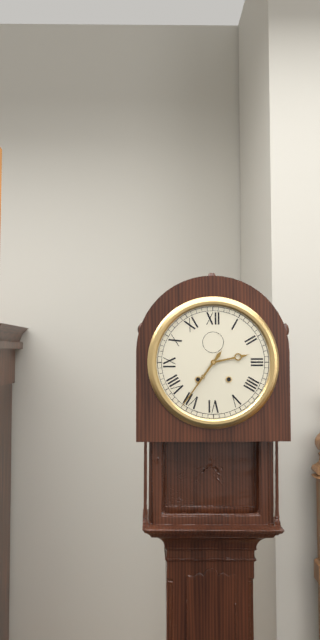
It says 2.36
